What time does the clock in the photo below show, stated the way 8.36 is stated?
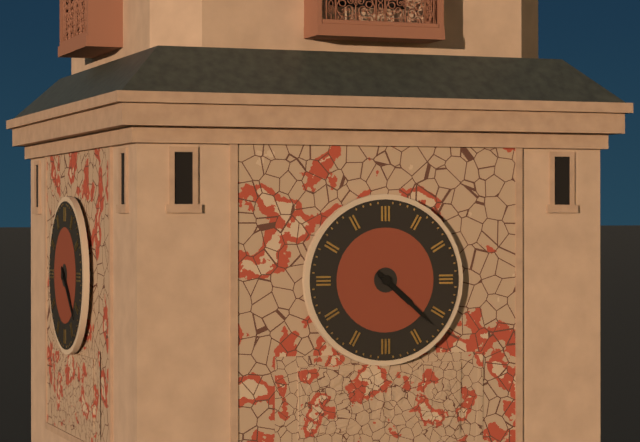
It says 4.22
